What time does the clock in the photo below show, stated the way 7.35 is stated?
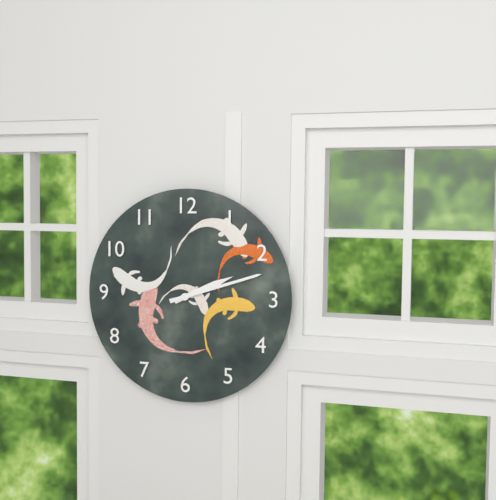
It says 2.12
